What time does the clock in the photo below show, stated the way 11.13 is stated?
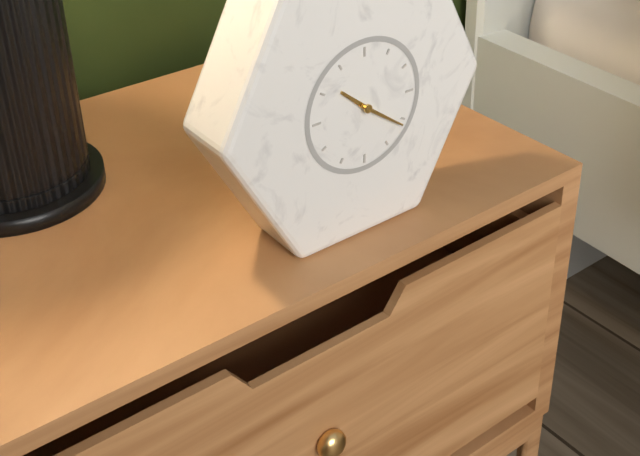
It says 10.21
